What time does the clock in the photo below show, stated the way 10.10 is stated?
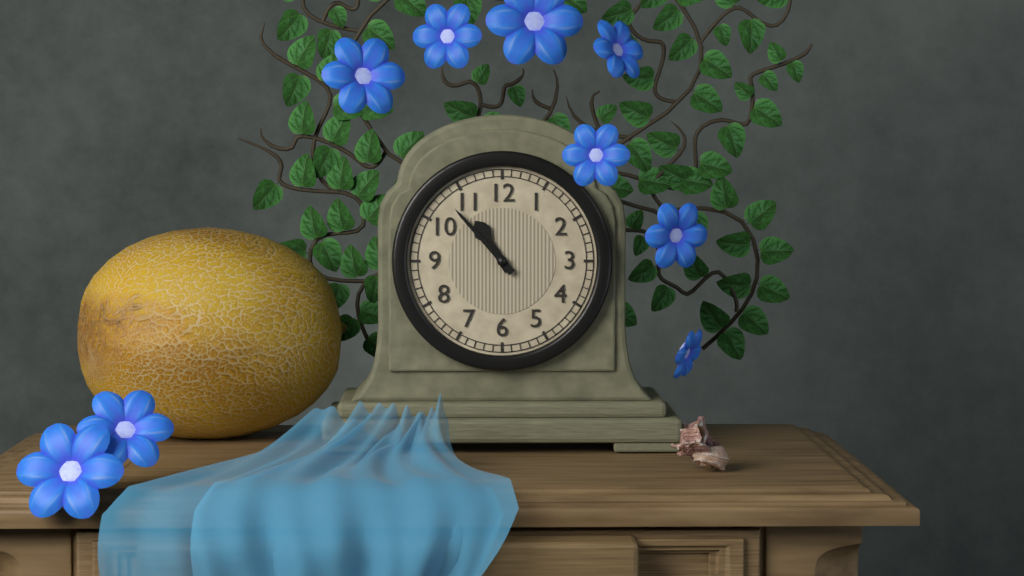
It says 10.53
